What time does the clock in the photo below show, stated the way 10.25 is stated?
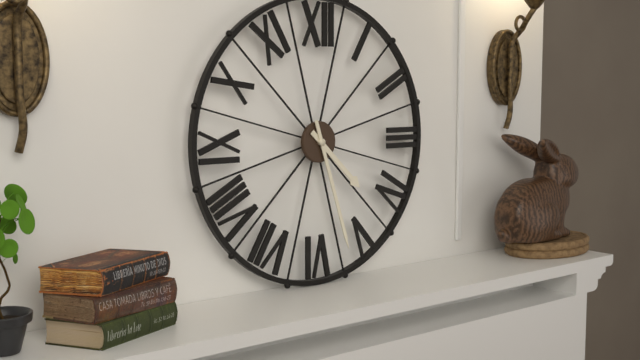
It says 4.27
